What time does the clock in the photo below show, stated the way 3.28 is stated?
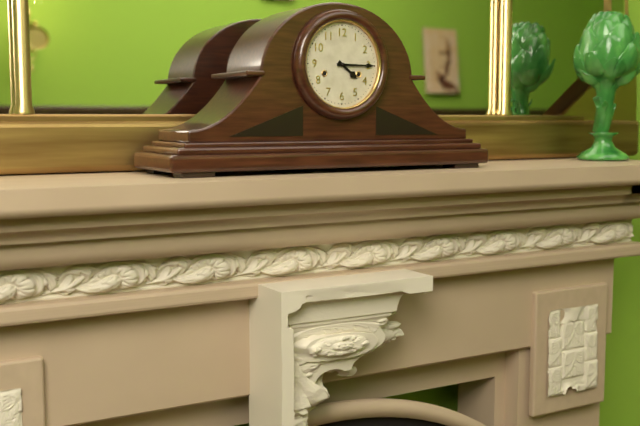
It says 4.15
